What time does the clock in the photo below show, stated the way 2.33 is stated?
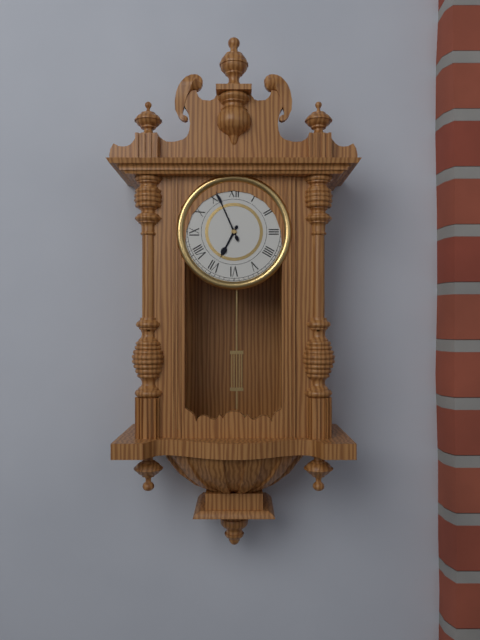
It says 6.56
